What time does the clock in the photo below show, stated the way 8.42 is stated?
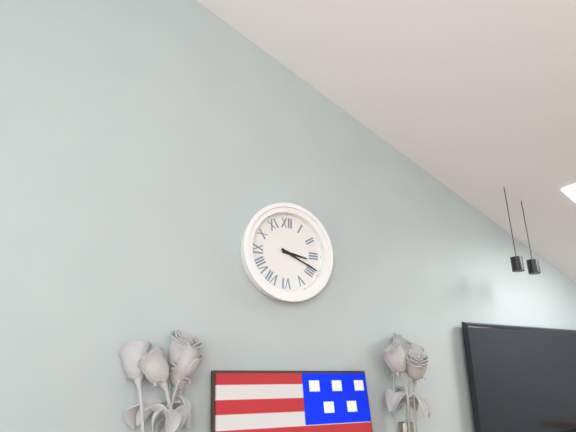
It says 3.19
